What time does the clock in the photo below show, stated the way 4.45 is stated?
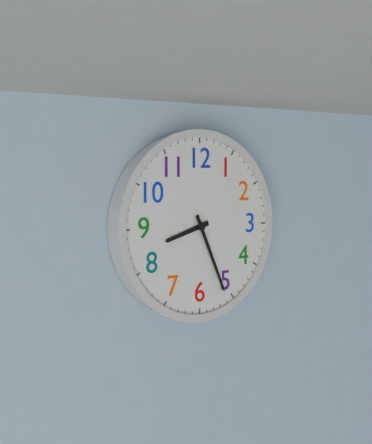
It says 8.26
